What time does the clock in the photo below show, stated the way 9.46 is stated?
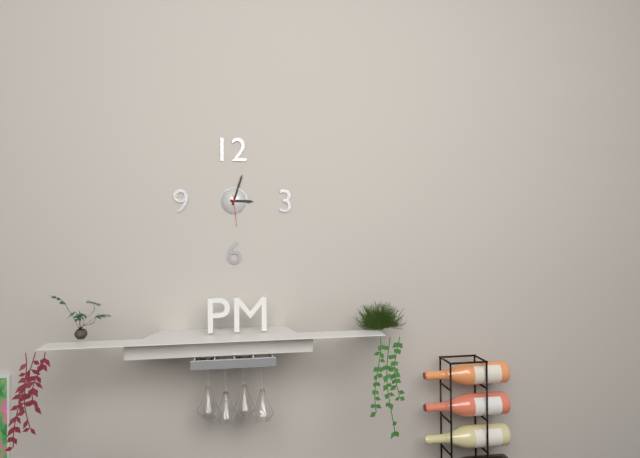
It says 3.03
